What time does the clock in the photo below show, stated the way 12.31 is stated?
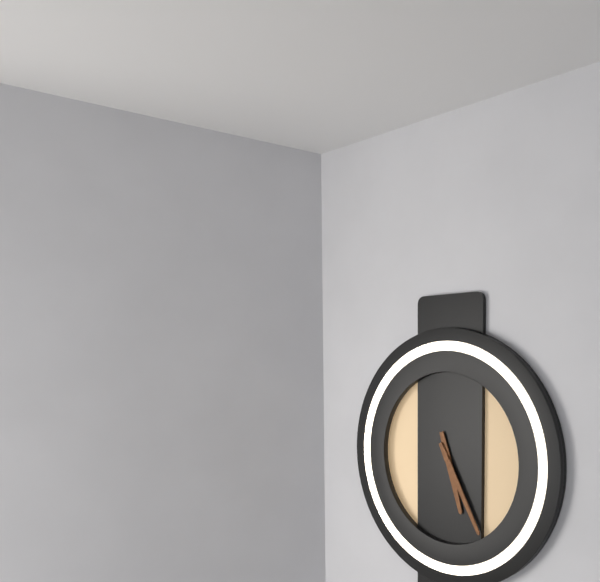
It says 5.25
